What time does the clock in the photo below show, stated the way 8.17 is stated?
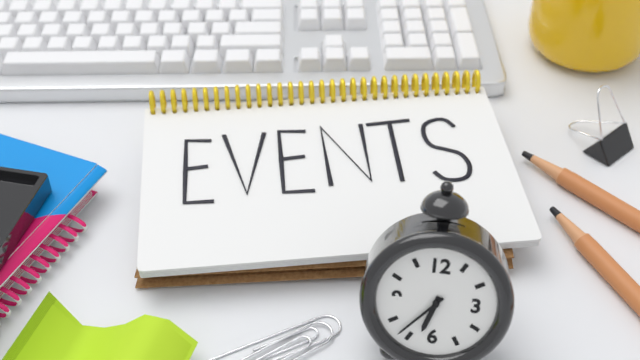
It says 6.37
